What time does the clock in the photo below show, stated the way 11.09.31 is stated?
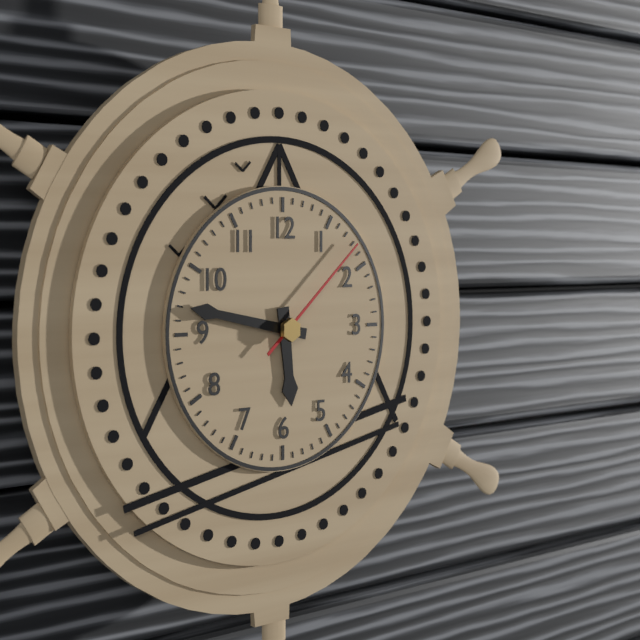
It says 5.47.08
